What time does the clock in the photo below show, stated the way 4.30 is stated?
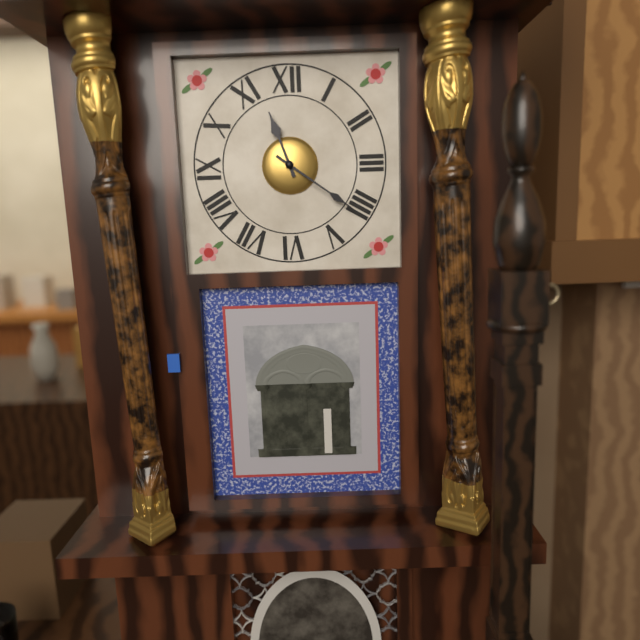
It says 11.21
